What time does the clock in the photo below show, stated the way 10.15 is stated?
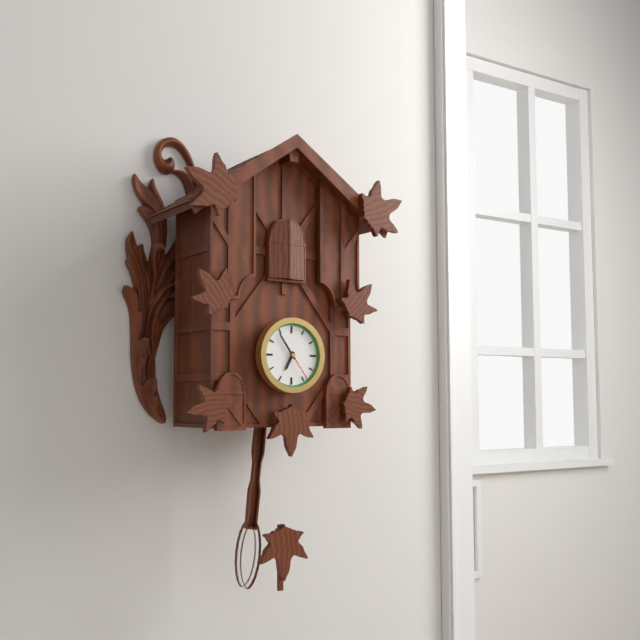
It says 6.54
